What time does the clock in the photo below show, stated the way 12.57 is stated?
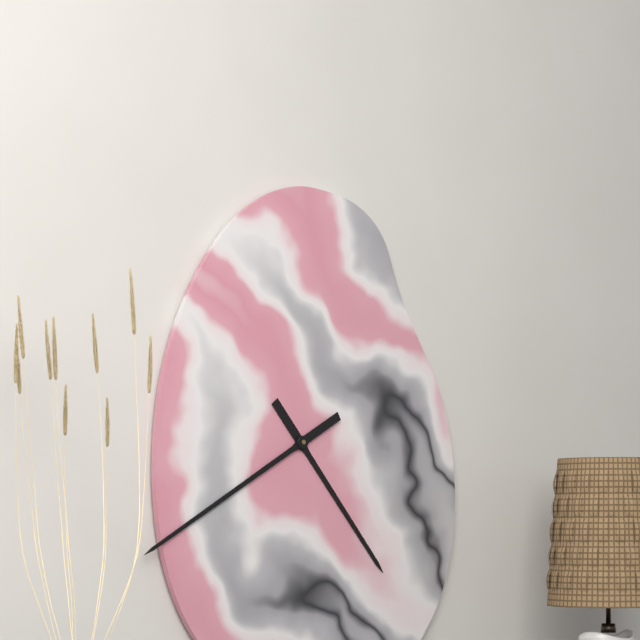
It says 4.40
